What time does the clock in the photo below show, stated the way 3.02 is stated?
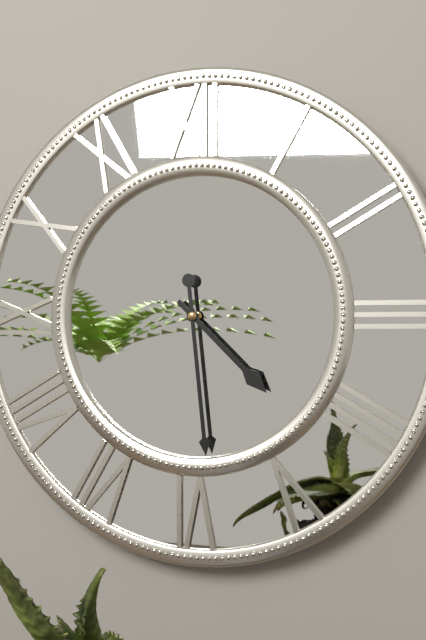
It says 4.29
